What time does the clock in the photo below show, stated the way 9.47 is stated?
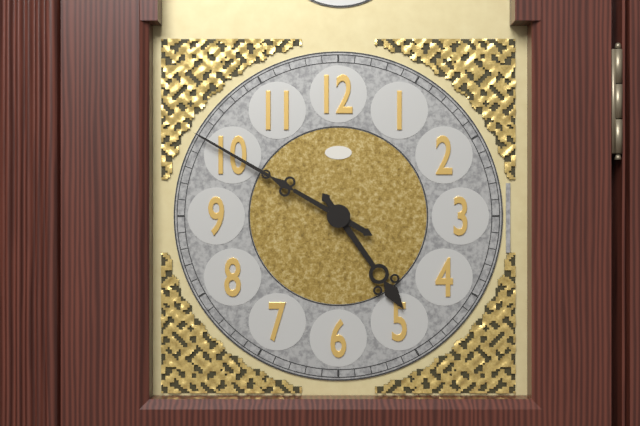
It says 4.50
